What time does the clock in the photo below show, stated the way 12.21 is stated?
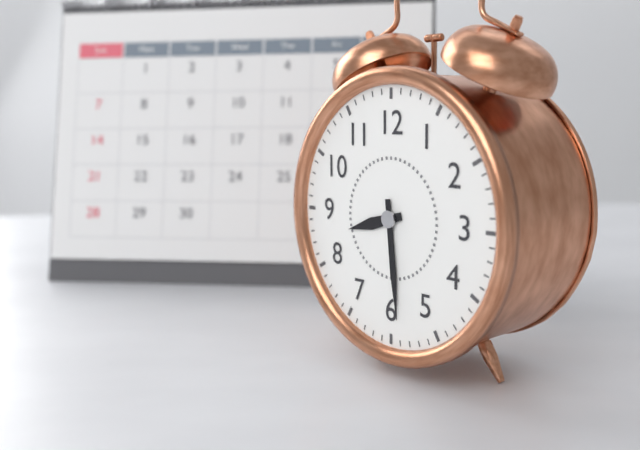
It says 8.29
